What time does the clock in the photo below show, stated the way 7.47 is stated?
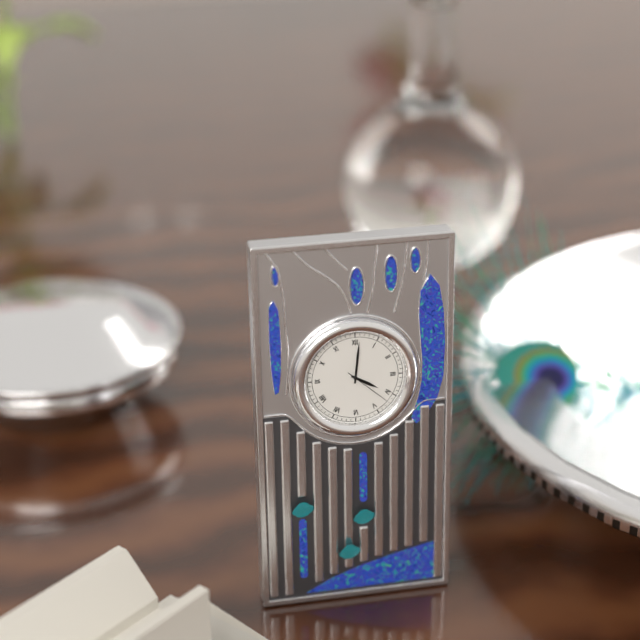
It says 4.01
